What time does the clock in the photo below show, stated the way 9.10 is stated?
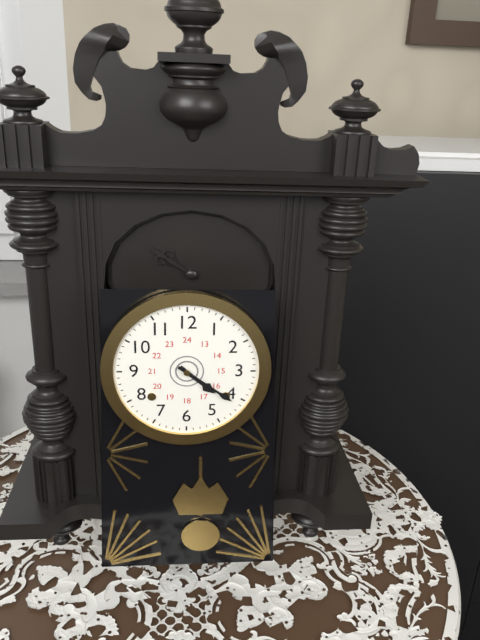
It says 4.21
